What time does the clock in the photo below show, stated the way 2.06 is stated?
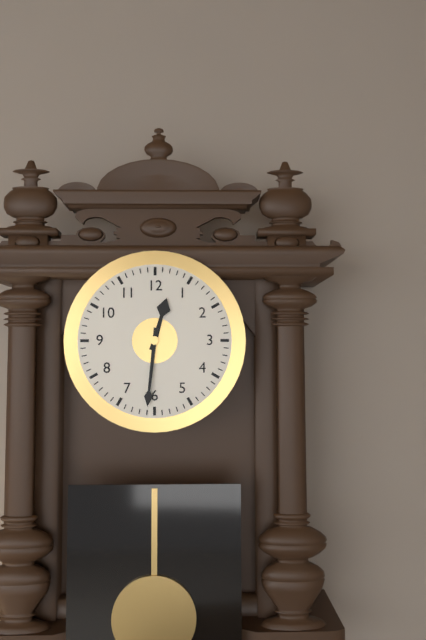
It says 12.31
